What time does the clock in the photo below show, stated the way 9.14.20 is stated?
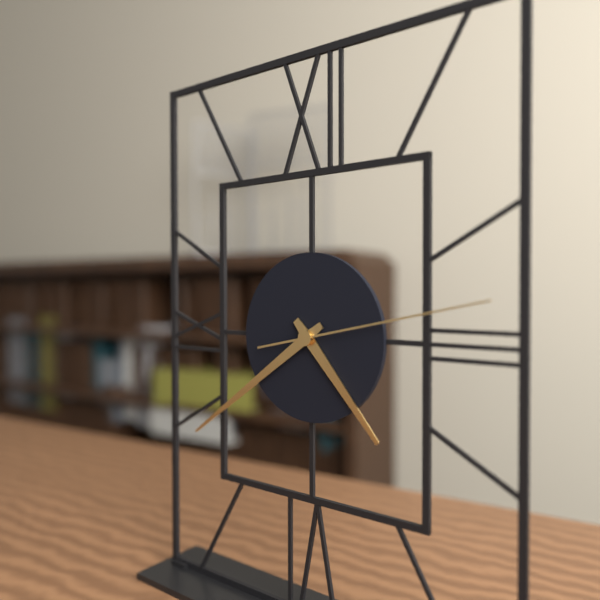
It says 4.39.13
